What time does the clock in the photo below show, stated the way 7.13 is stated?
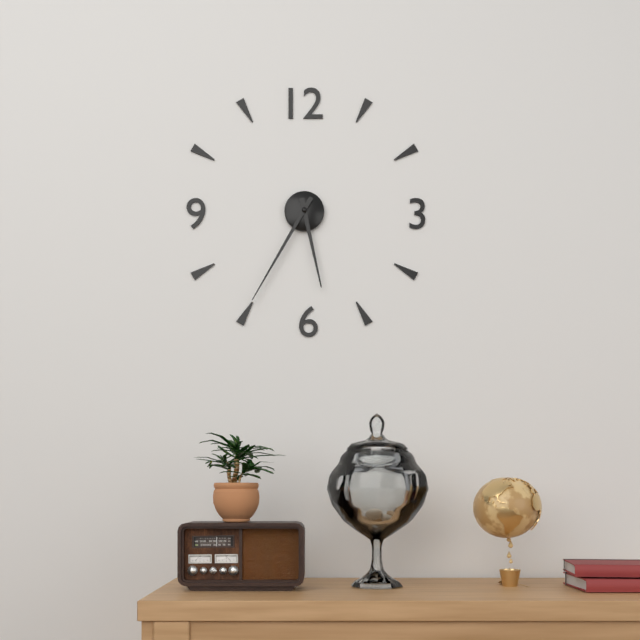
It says 5.35
